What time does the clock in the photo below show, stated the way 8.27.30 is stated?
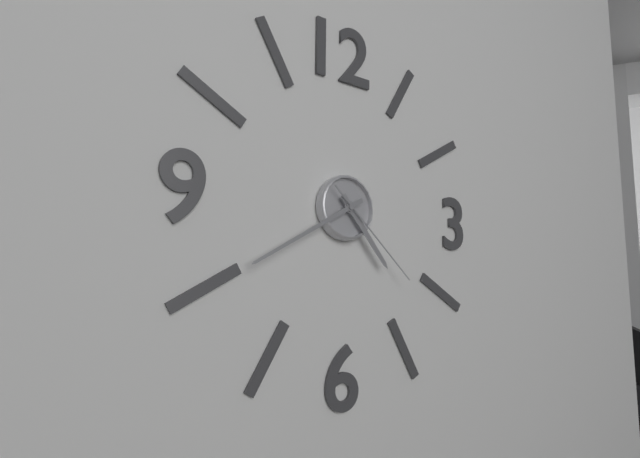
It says 4.40.22
